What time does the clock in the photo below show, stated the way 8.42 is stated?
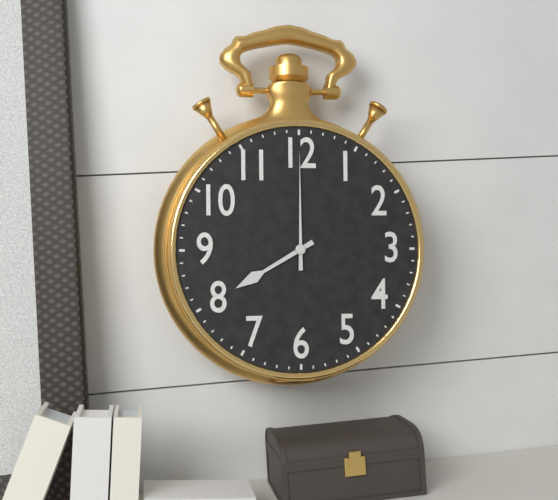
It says 8.00
